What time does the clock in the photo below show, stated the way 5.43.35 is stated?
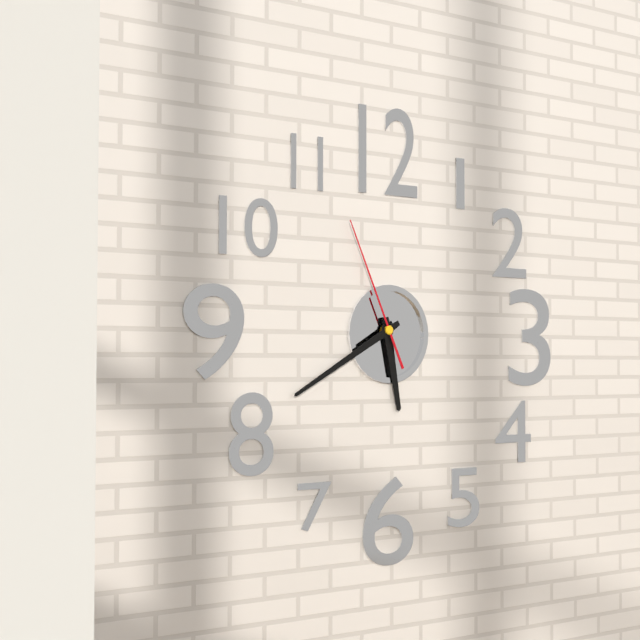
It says 5.40.56
